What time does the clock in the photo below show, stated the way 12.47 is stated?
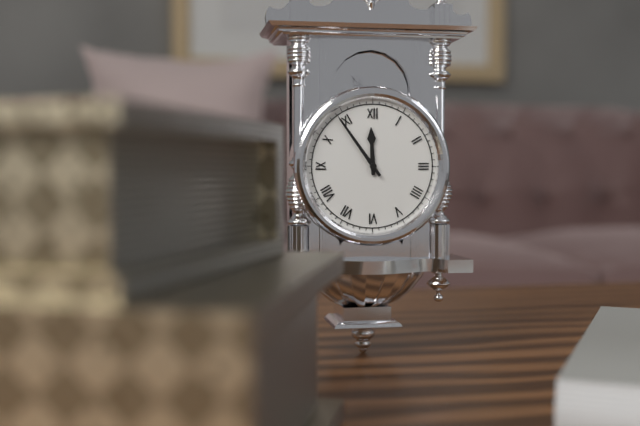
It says 11.54
